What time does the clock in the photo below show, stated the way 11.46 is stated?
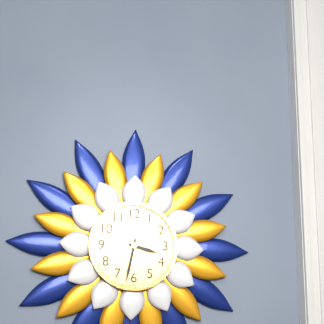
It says 3.32
